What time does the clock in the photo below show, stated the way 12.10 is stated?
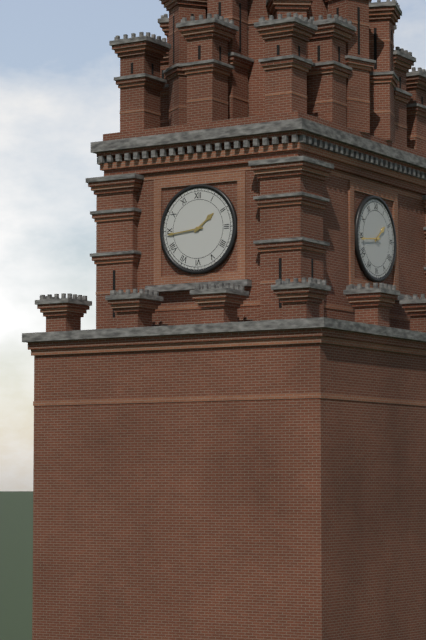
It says 1.44
